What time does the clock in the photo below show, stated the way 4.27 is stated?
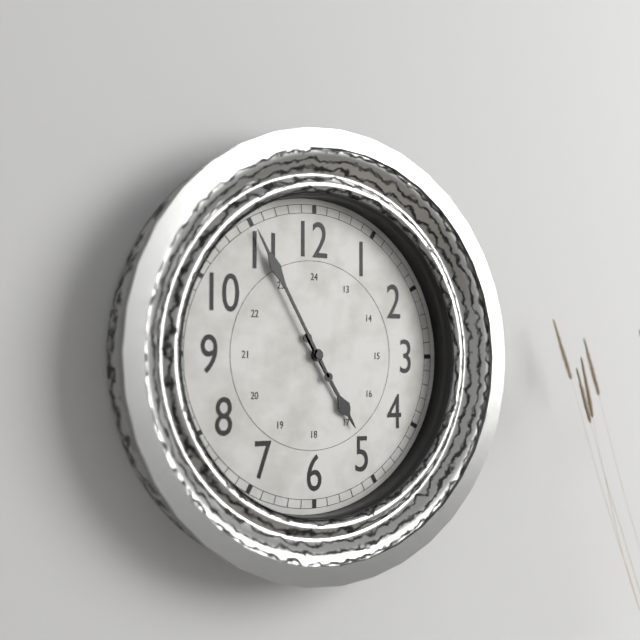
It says 4.55
